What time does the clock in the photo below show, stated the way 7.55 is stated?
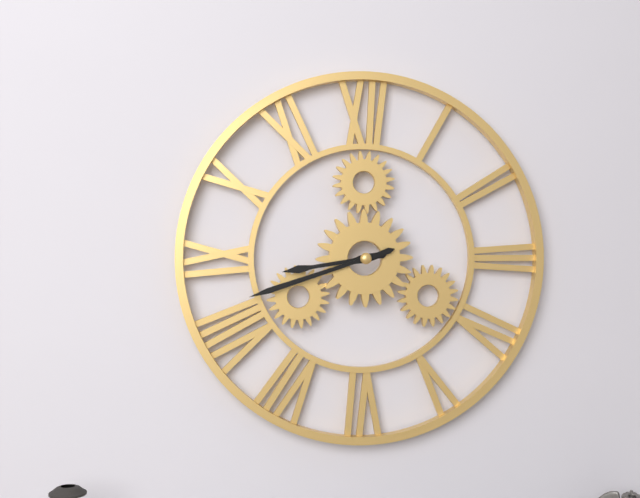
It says 8.42
